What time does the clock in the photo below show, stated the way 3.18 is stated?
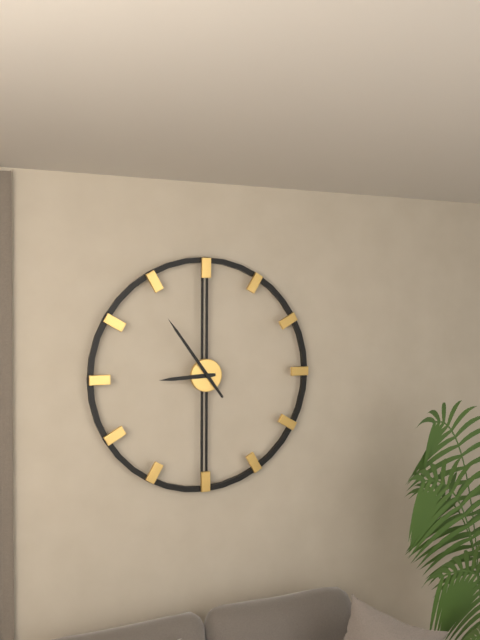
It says 8.54
